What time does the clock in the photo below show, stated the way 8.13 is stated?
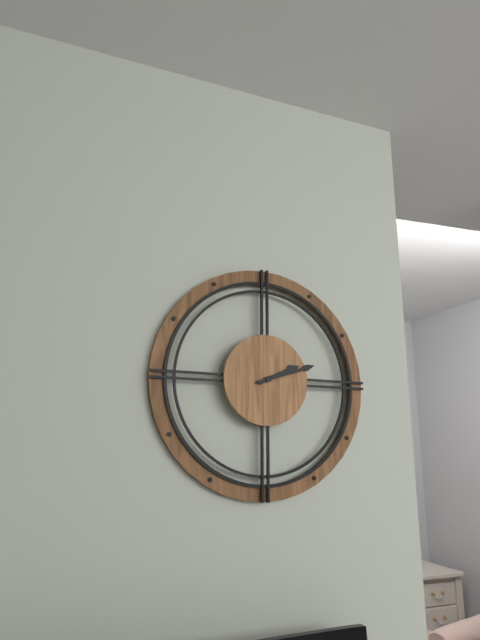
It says 2.12
